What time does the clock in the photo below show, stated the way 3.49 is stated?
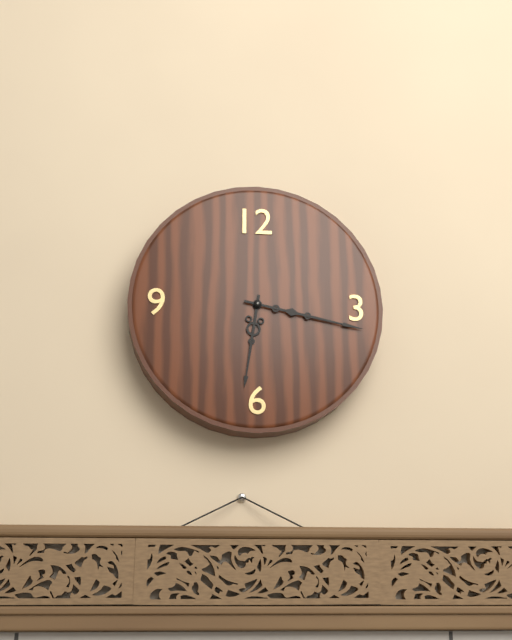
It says 6.17
